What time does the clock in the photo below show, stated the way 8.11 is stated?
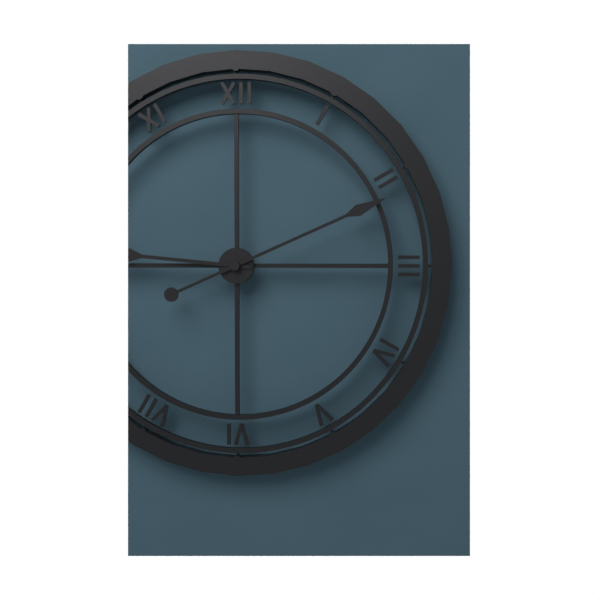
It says 9.11
